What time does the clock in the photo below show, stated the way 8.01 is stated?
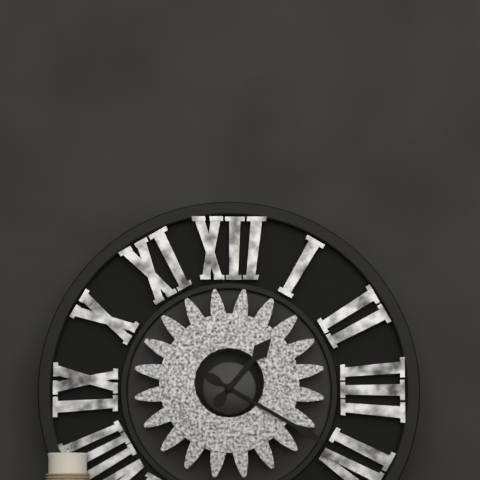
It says 1.20
